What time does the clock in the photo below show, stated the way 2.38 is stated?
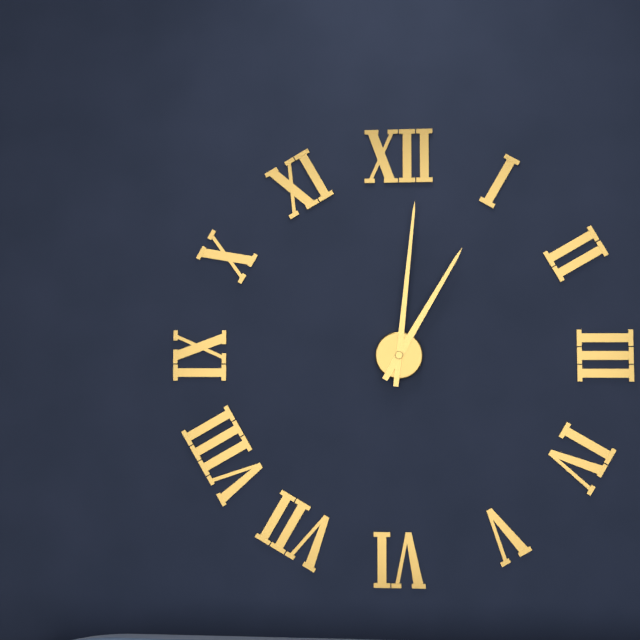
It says 1.01
